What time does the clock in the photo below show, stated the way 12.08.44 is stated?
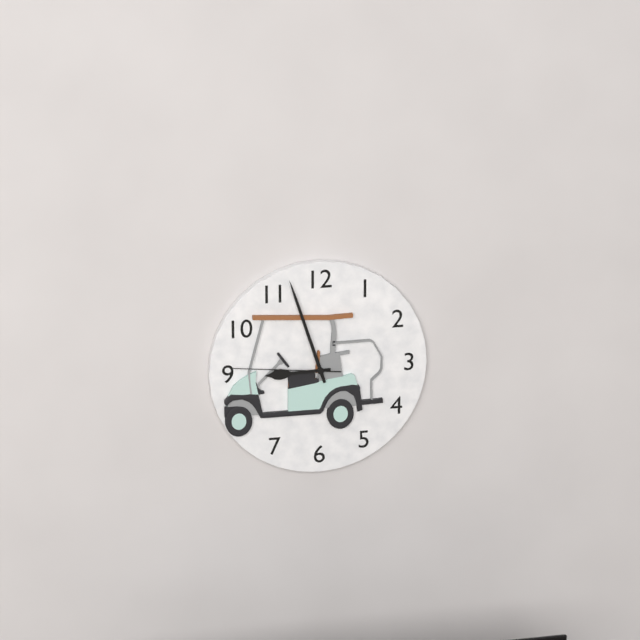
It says 8.57.46
